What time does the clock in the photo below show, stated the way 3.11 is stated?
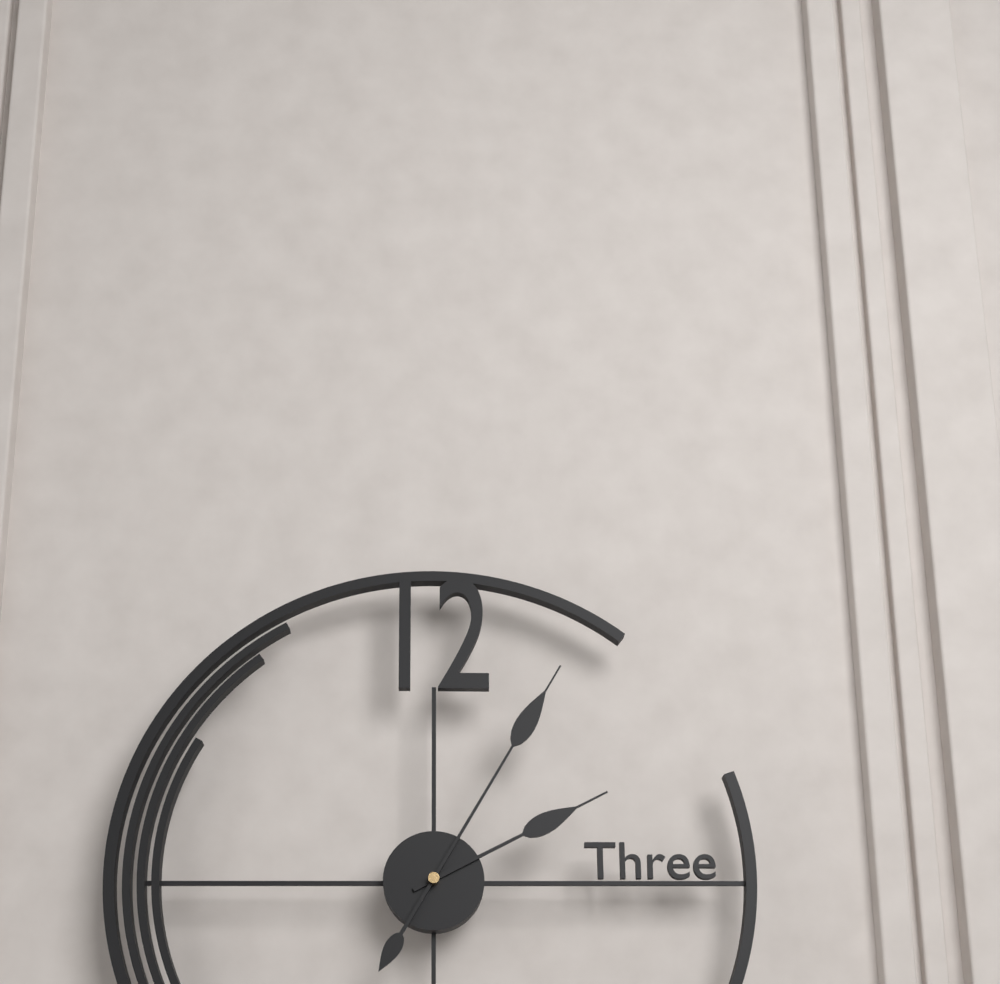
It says 2.05
